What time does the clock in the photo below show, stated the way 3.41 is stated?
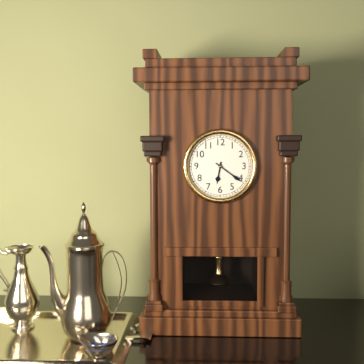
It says 6.21
